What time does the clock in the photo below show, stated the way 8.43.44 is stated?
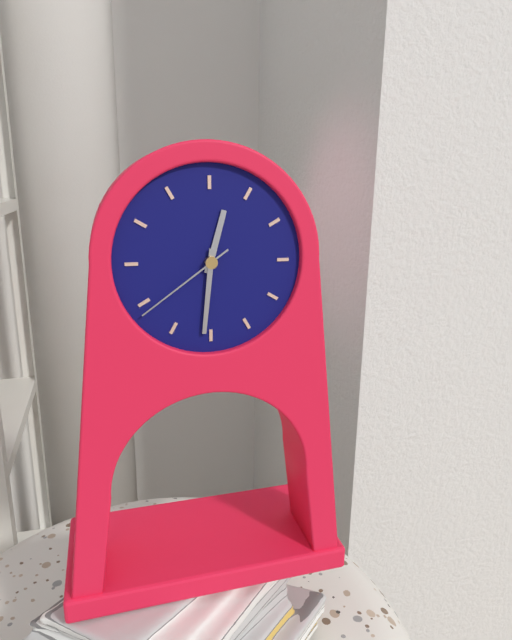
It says 12.31.39
